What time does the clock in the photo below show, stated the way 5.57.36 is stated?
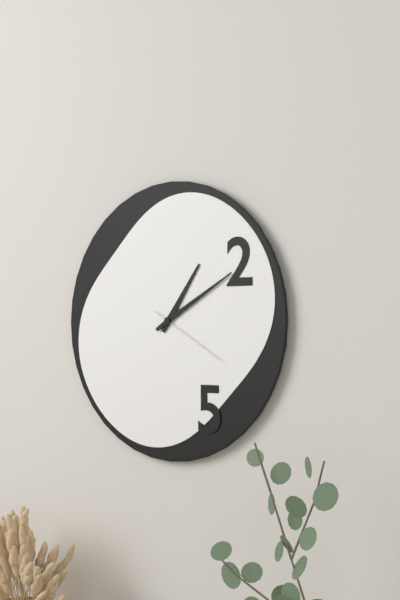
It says 1.10.20
